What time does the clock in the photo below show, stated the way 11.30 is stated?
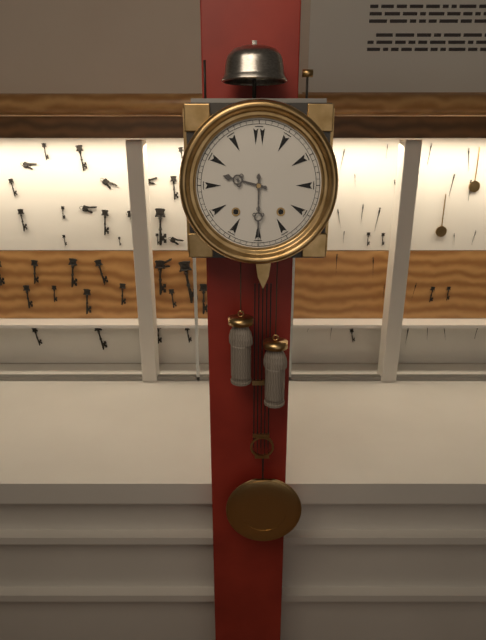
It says 9.30
